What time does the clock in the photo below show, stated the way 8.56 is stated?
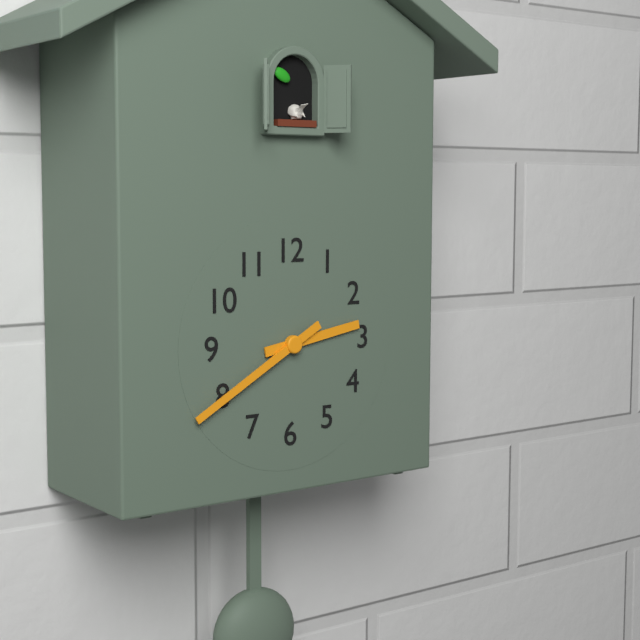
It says 2.40
